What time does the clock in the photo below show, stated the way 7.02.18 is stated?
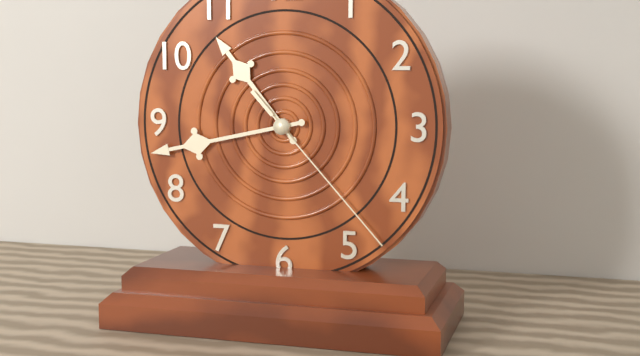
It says 10.43.23
